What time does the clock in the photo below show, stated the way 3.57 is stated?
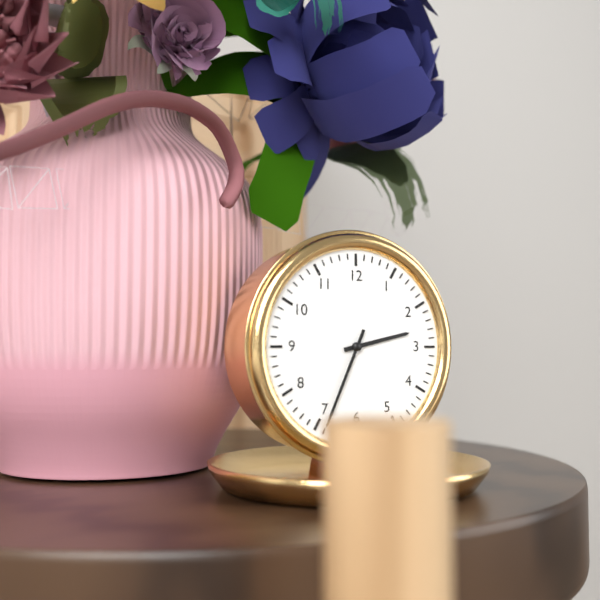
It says 2.34
